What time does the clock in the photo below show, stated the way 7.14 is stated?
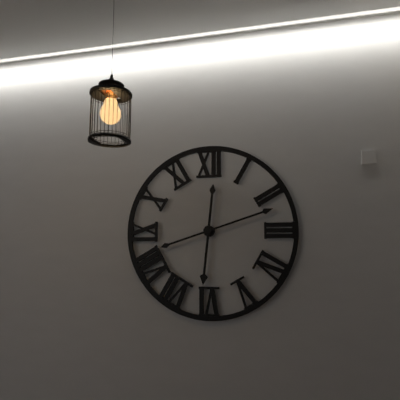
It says 6.12
